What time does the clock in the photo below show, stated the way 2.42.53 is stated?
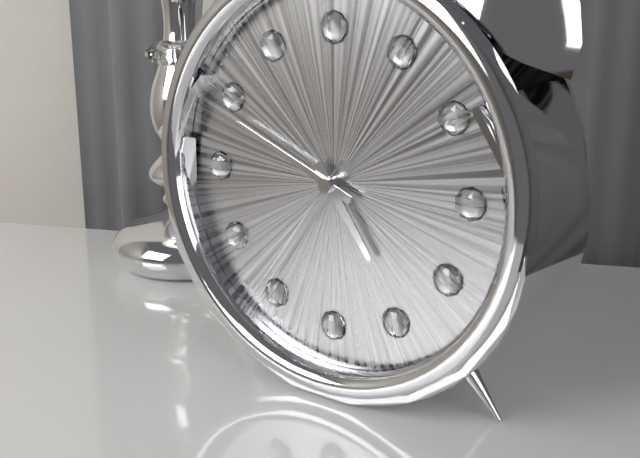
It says 4.49.36
